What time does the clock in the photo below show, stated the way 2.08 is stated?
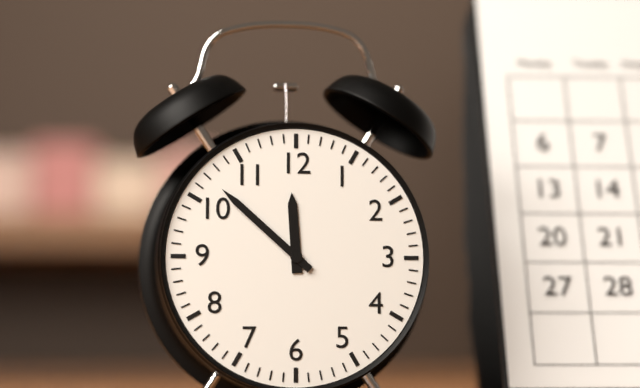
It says 11.52
